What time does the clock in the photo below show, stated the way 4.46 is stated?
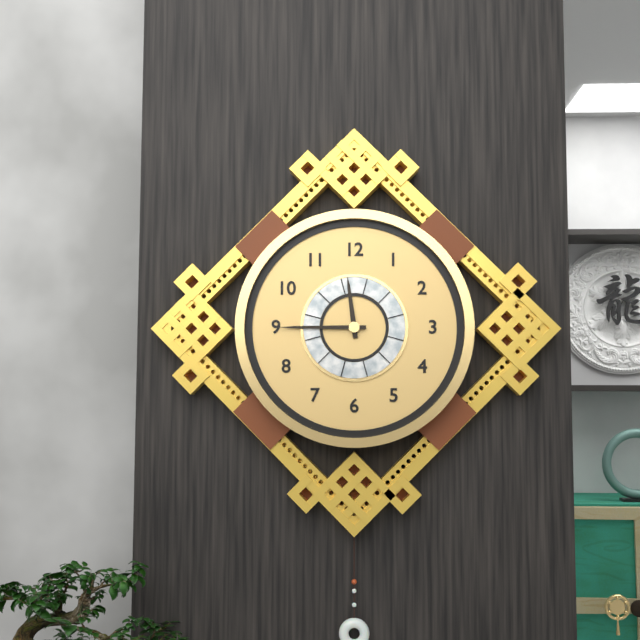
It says 11.45
